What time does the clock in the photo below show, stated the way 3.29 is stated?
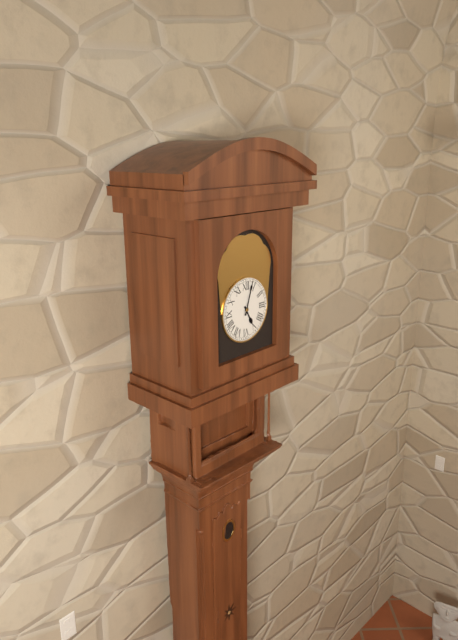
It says 5.03
